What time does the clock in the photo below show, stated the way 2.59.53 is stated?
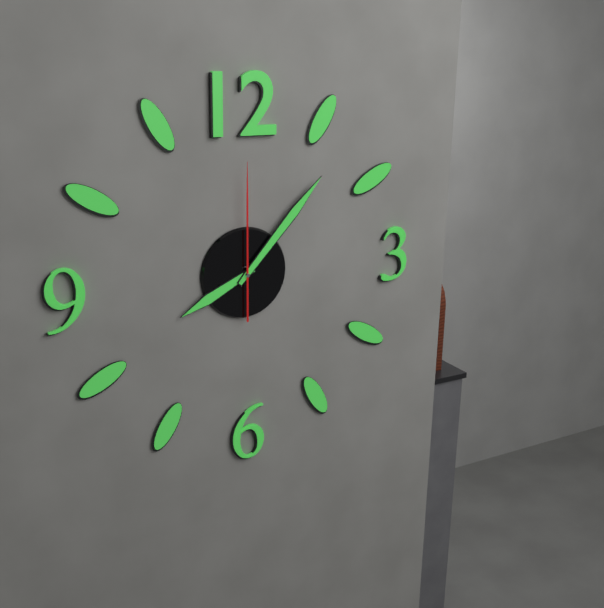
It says 8.07.00
